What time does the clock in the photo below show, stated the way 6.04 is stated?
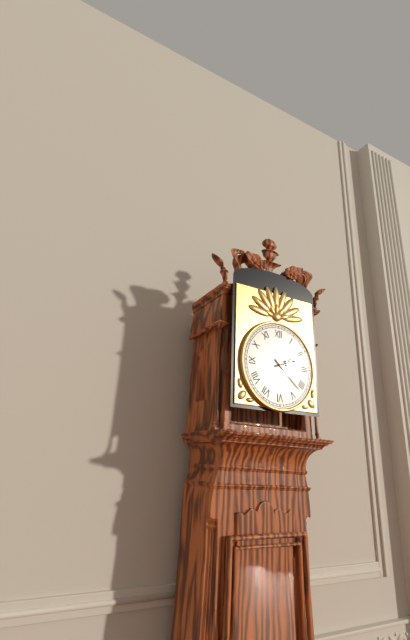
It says 2.22
